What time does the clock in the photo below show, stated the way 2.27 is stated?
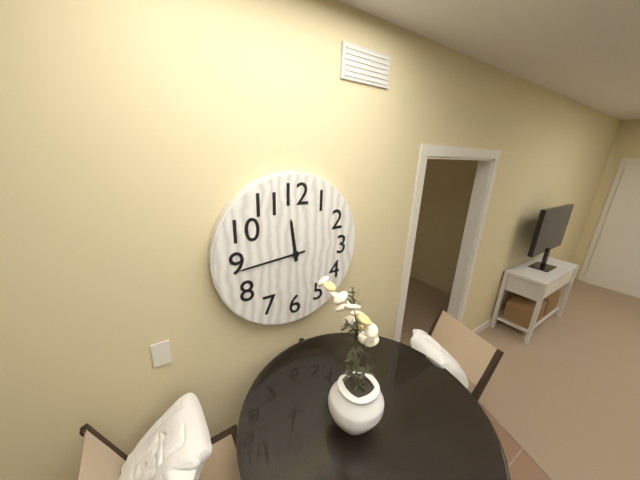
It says 11.44
